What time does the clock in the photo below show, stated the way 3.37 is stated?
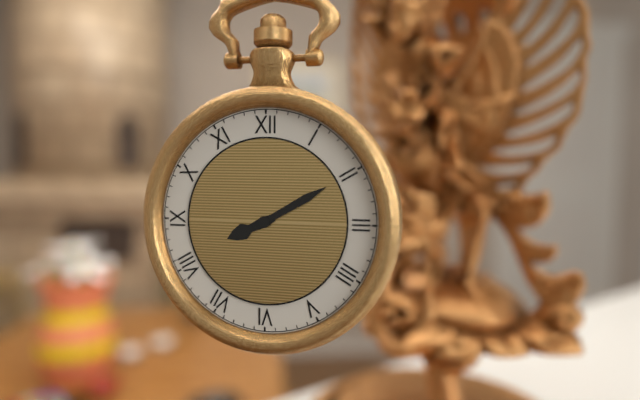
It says 8.10
